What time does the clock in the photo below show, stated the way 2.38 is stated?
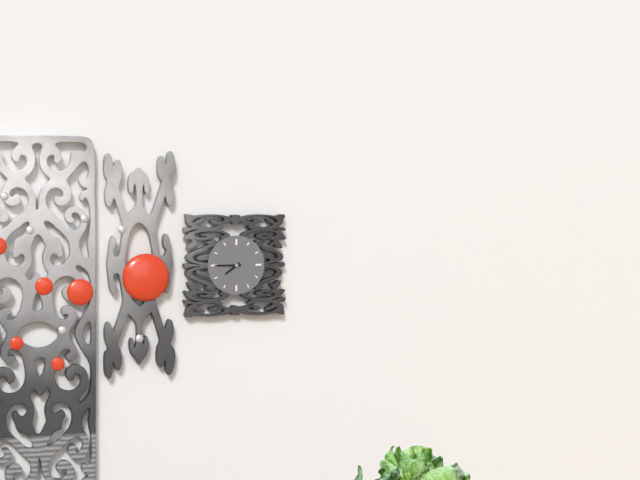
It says 7.45
